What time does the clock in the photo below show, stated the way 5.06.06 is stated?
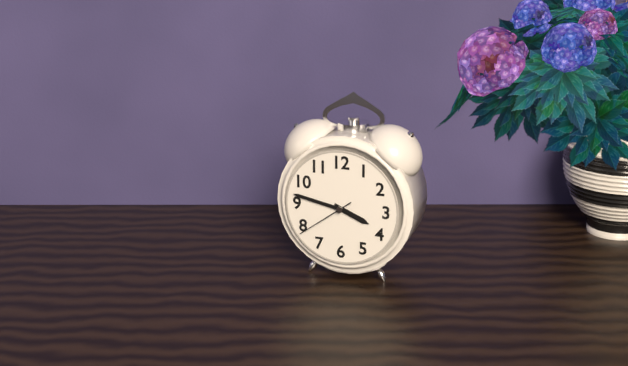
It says 3.47.39
